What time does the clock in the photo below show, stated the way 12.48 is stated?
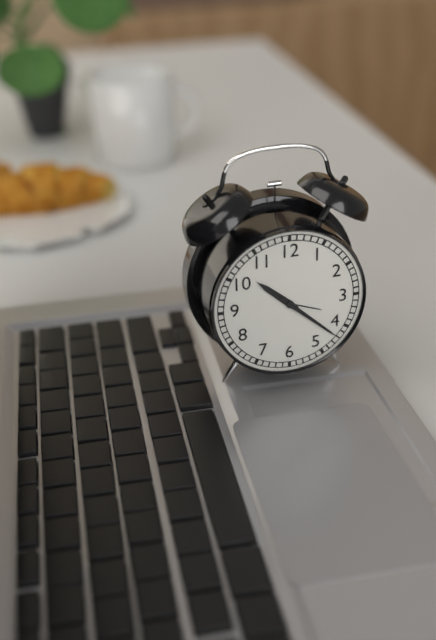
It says 10.22
